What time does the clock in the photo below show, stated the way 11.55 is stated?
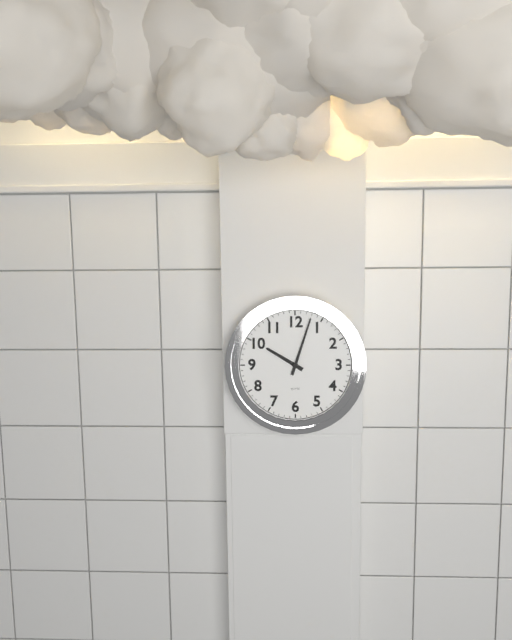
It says 10.03
